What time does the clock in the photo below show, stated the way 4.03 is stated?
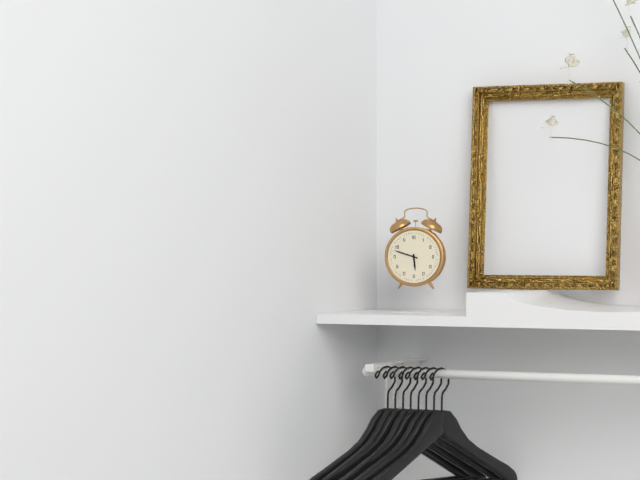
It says 5.48
